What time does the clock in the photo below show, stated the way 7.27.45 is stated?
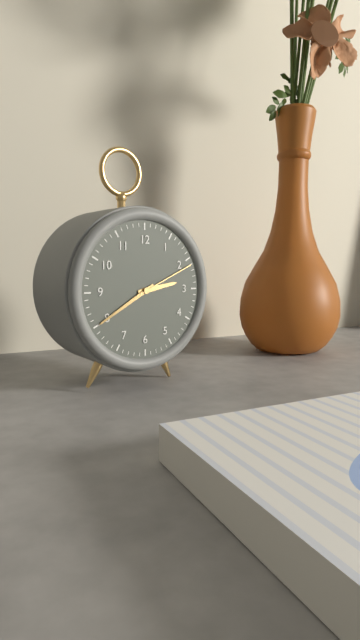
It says 2.40.11
